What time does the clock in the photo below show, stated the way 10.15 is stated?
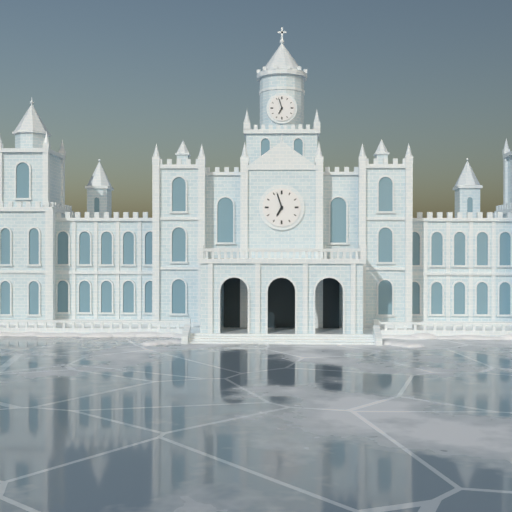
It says 6.57
